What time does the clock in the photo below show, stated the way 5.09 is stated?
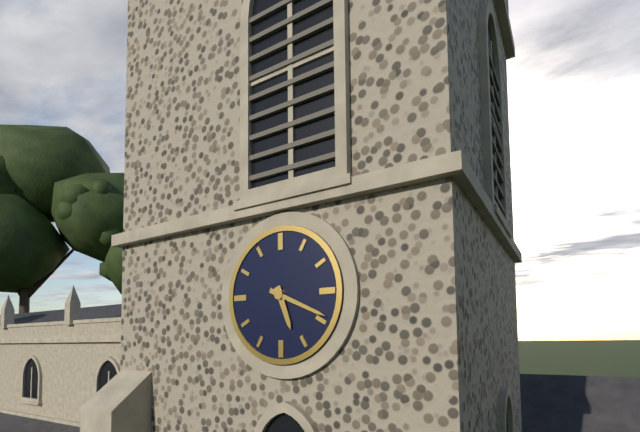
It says 5.19
